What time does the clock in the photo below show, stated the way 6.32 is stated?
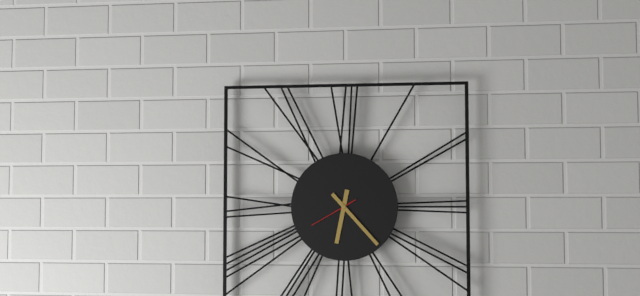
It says 6.23
